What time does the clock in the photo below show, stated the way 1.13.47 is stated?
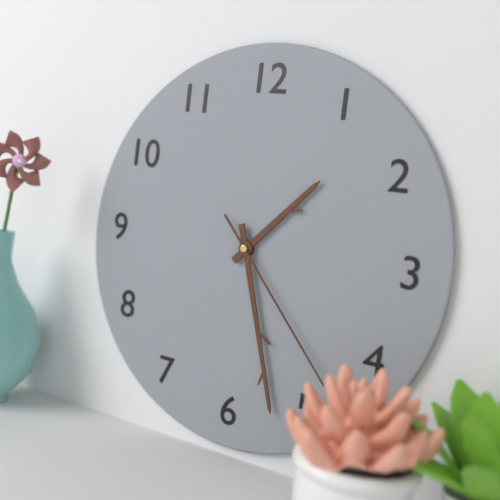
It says 1.27.23
